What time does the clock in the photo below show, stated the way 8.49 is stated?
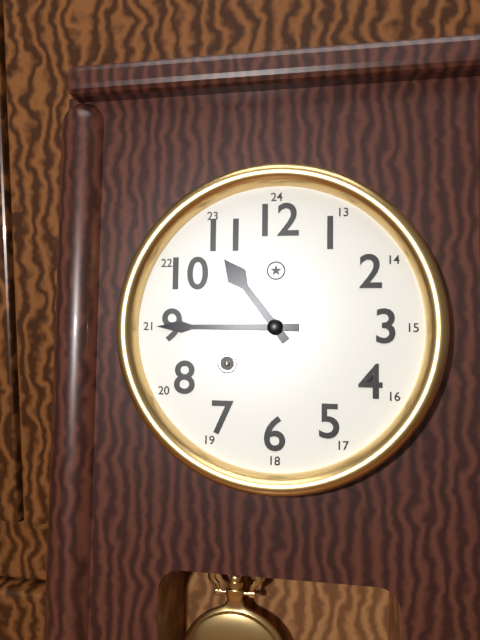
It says 10.45
